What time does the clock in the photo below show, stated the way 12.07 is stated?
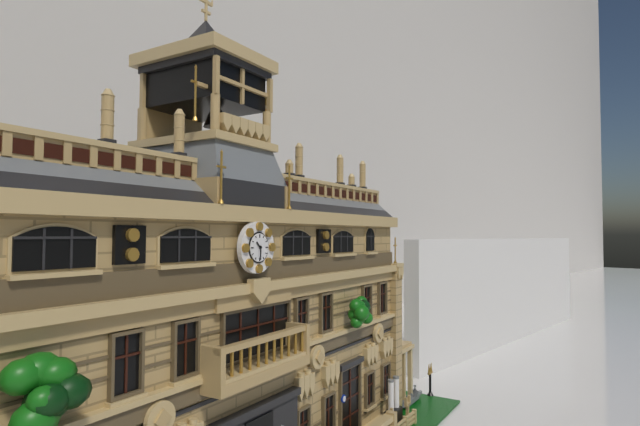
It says 10.30
